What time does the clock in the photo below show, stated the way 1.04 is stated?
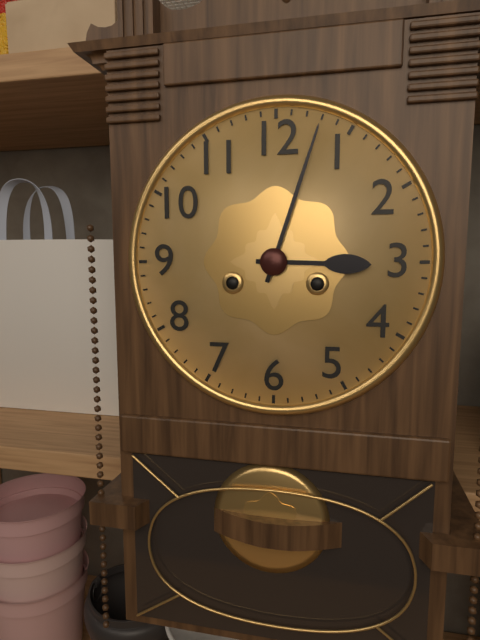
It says 3.03
